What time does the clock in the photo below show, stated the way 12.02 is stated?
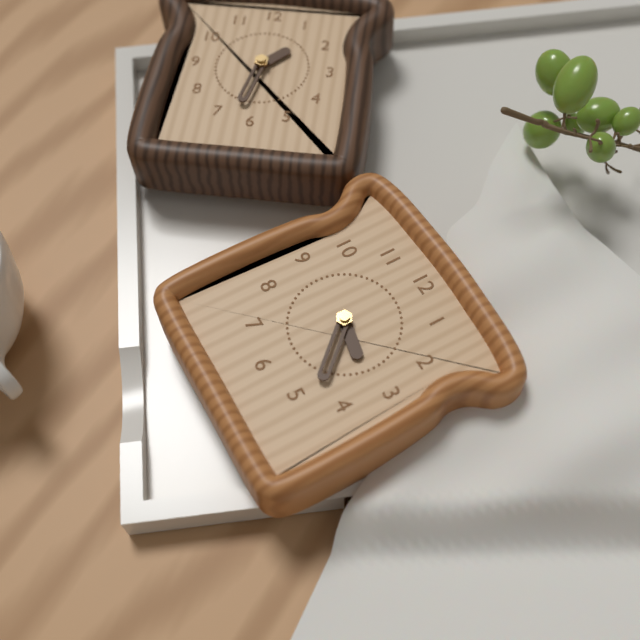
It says 3.23
